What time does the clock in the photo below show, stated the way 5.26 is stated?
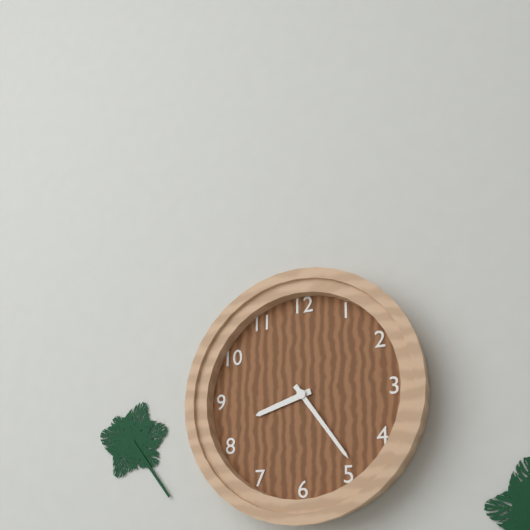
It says 8.24
